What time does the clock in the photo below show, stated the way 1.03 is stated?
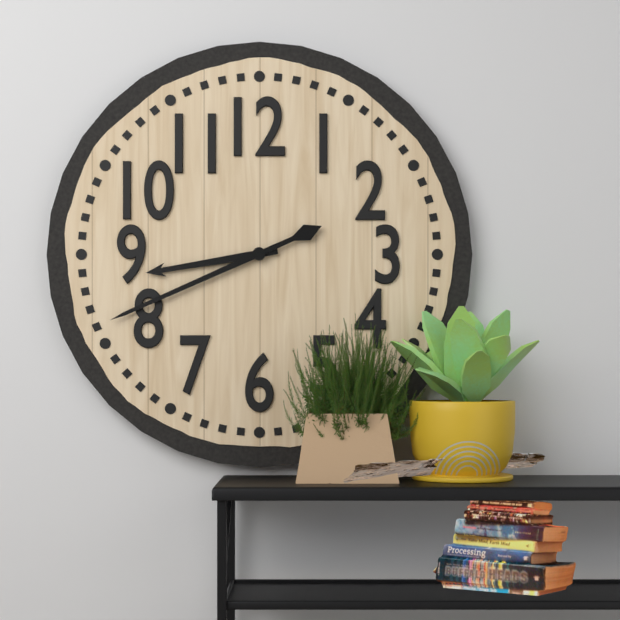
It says 8.41
